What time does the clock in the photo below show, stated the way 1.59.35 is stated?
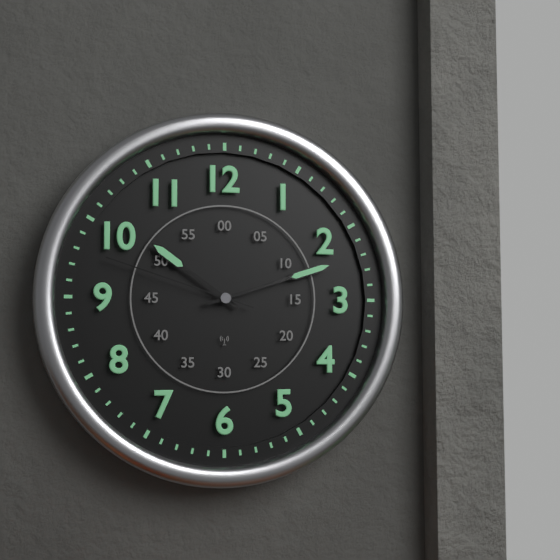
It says 10.12.48
